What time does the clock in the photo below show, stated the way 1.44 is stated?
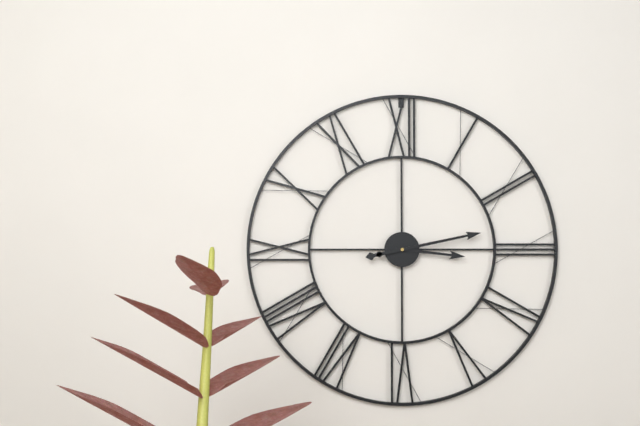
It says 3.13
